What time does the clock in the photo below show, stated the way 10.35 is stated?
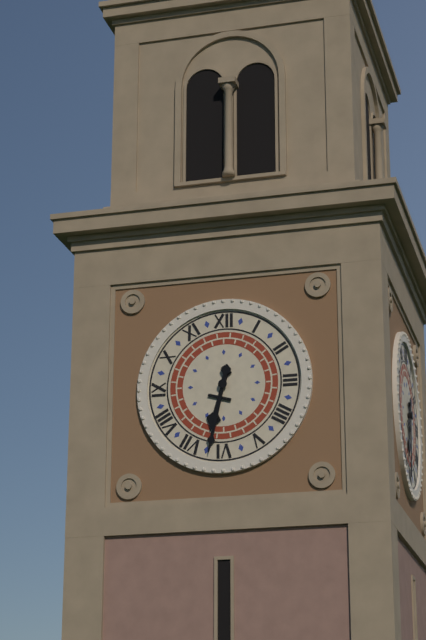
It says 6.32
